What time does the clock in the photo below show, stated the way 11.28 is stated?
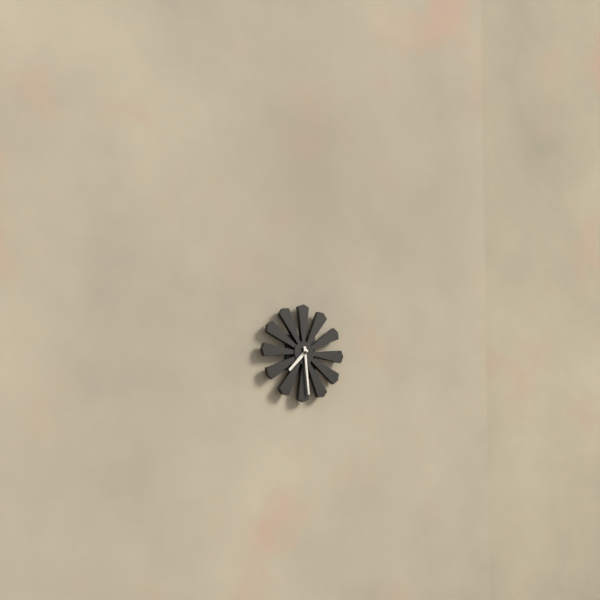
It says 7.29
